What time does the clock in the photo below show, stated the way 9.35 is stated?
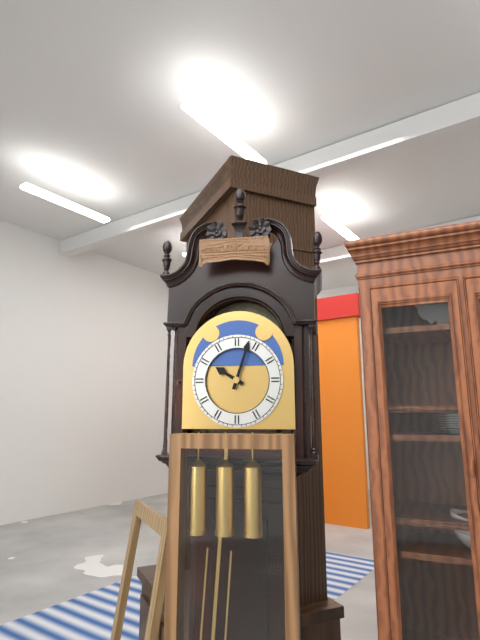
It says 10.03
